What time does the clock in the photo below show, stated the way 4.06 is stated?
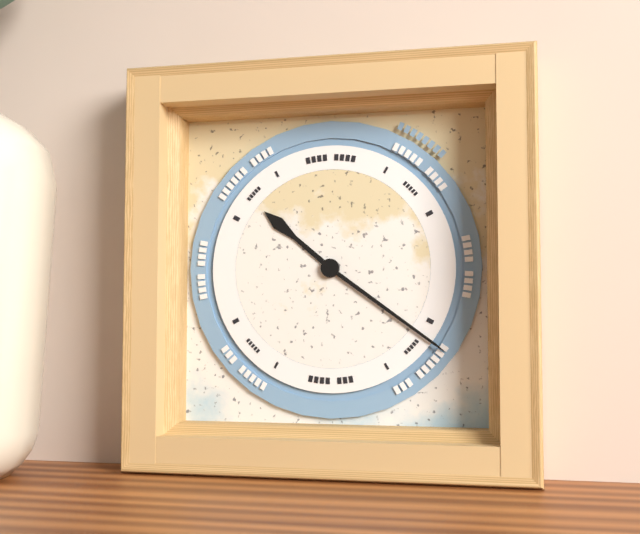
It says 10.21
